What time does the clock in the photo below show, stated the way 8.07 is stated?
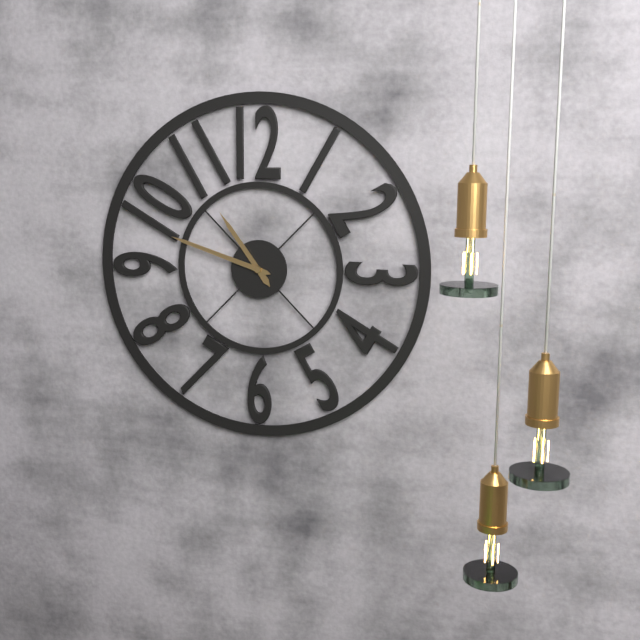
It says 10.48
